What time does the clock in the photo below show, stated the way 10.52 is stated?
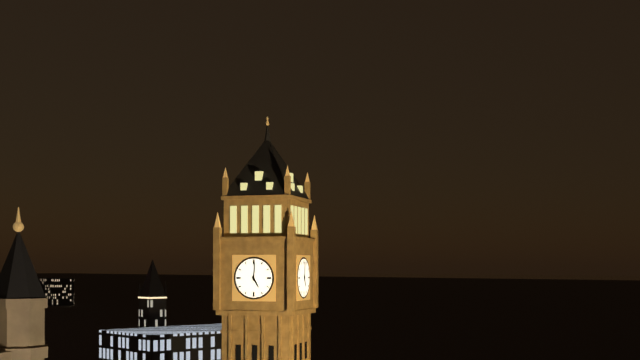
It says 5.01
